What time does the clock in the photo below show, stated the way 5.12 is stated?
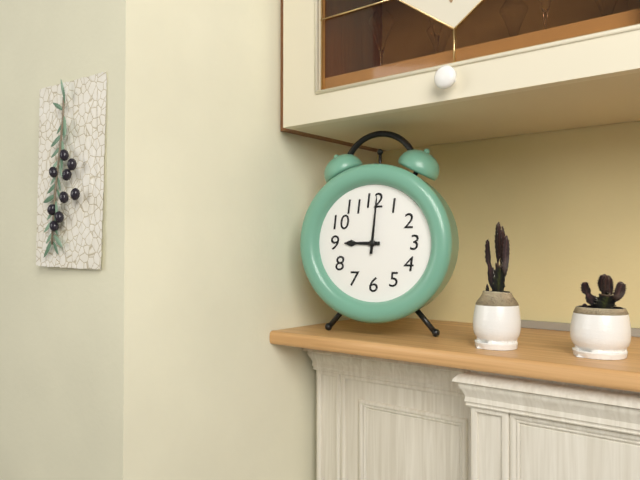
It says 9.01
